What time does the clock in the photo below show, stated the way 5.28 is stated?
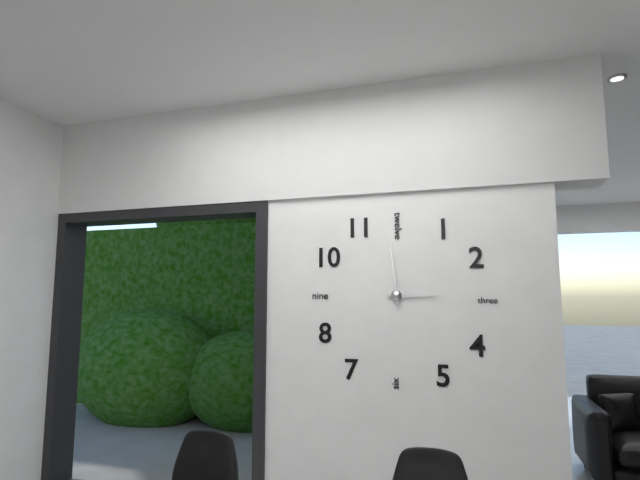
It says 2.59
